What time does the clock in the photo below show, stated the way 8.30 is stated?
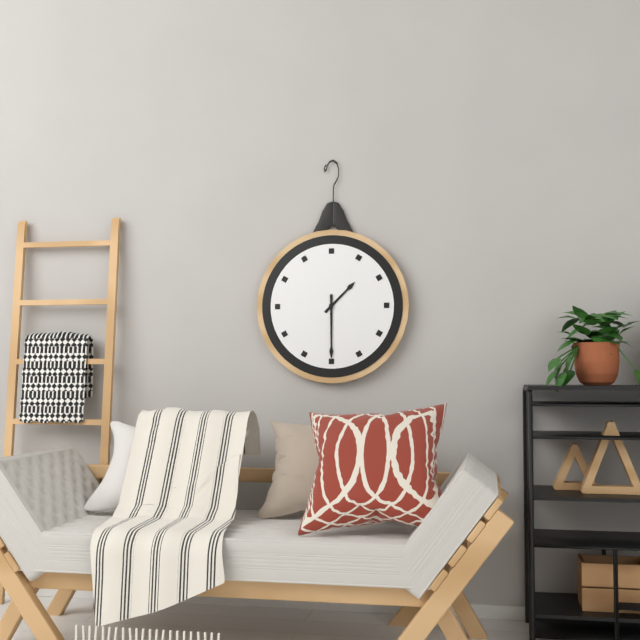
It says 1.30
